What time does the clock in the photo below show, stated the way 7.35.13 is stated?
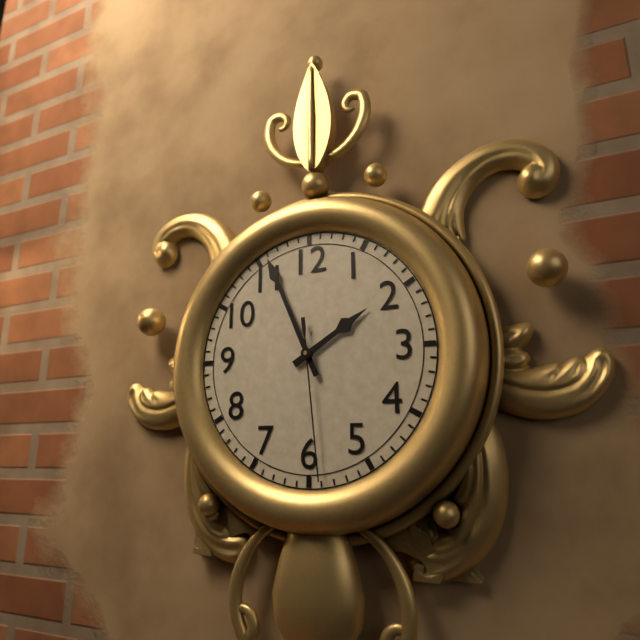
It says 1.56.29
